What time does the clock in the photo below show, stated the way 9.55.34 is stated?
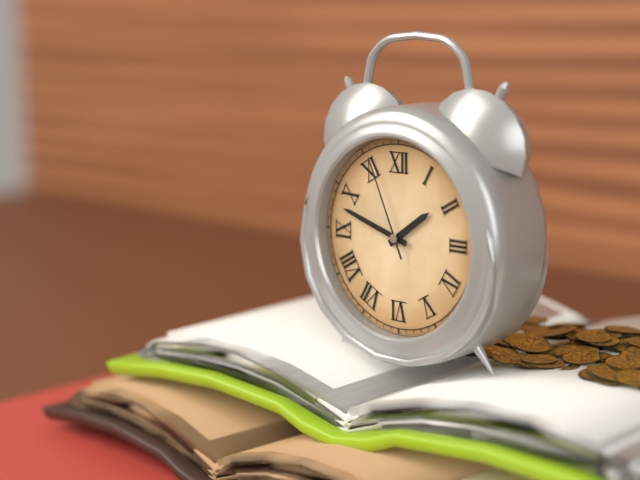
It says 1.48.56
